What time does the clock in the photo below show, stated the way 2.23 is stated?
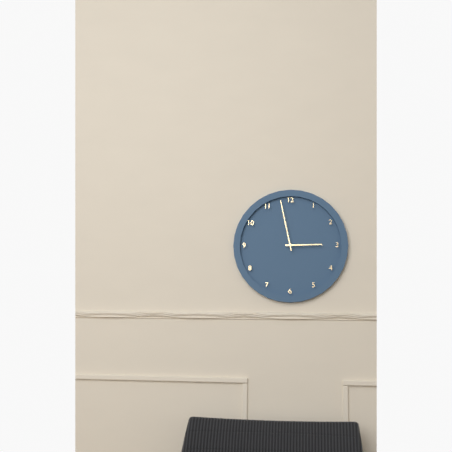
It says 2.58
